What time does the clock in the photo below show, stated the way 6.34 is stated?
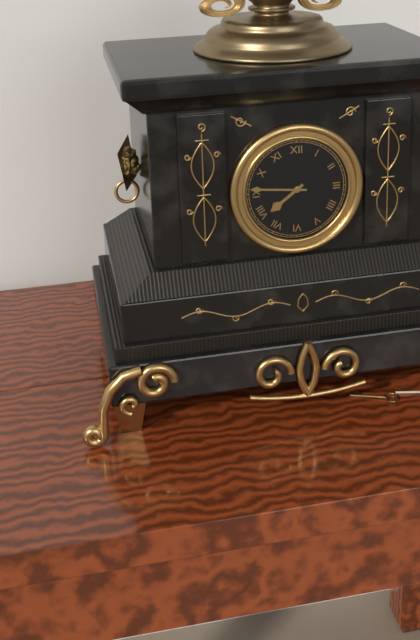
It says 7.46
